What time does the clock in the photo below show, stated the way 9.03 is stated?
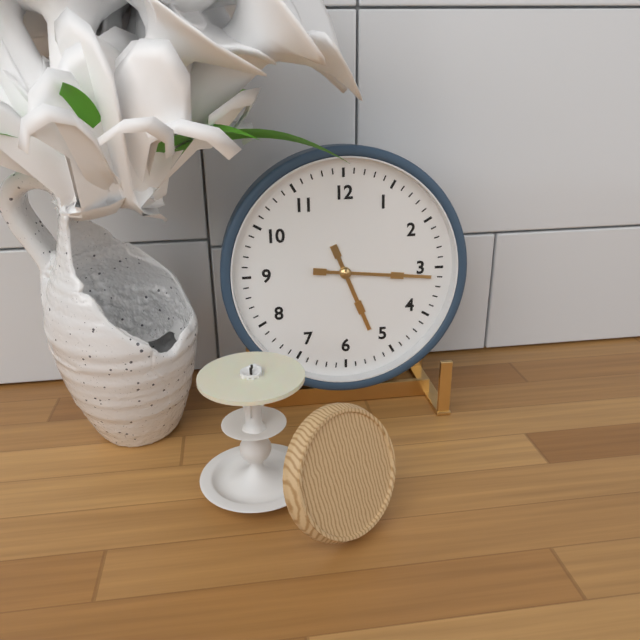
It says 5.16
